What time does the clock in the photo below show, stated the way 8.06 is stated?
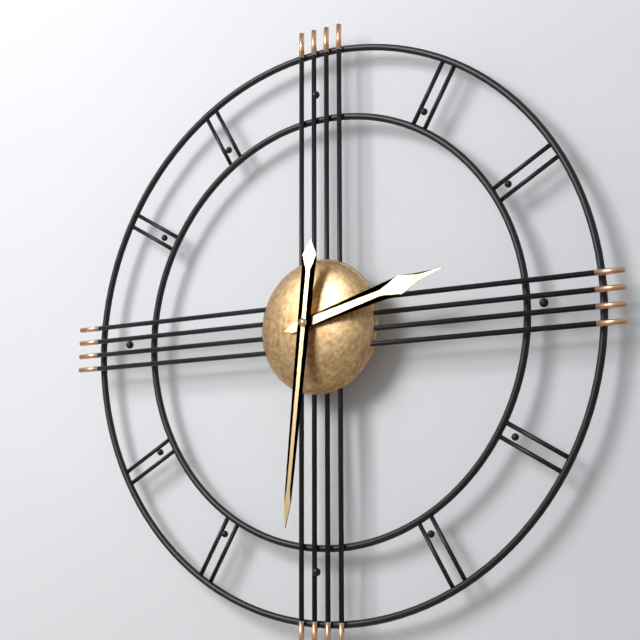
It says 2.31
